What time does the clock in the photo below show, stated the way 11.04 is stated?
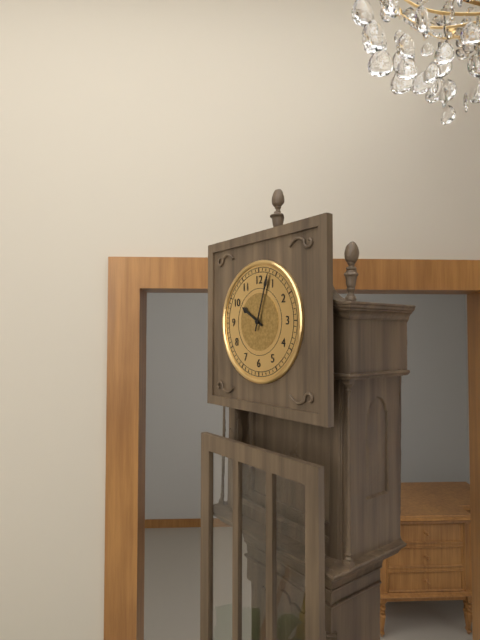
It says 10.03
